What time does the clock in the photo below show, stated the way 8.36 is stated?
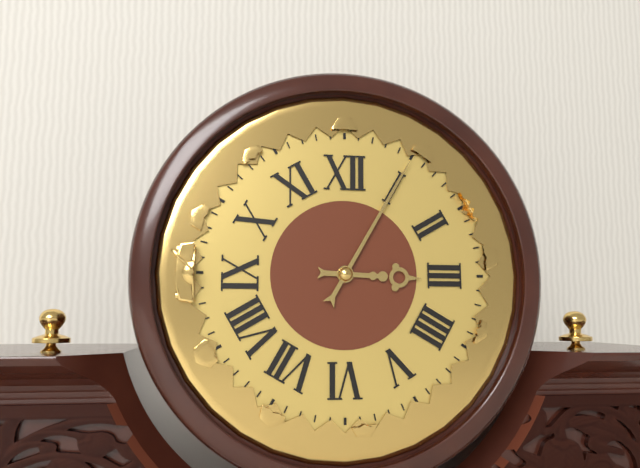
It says 3.05
